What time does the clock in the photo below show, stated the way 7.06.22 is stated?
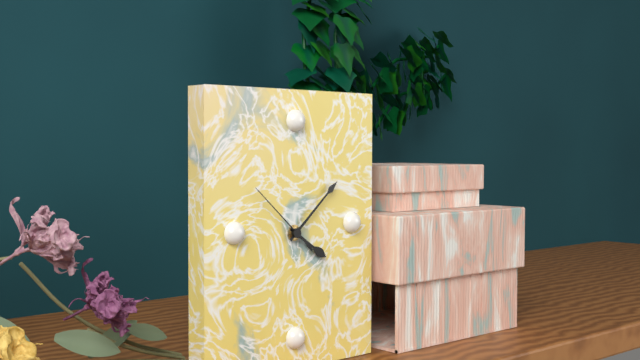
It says 4.08.52
